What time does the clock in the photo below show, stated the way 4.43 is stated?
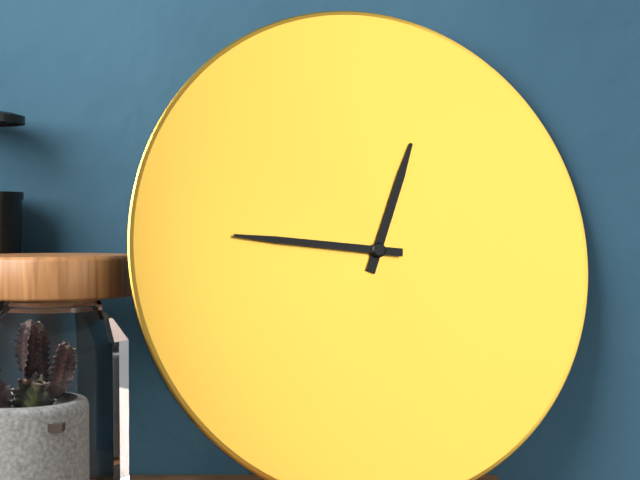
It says 12.46
